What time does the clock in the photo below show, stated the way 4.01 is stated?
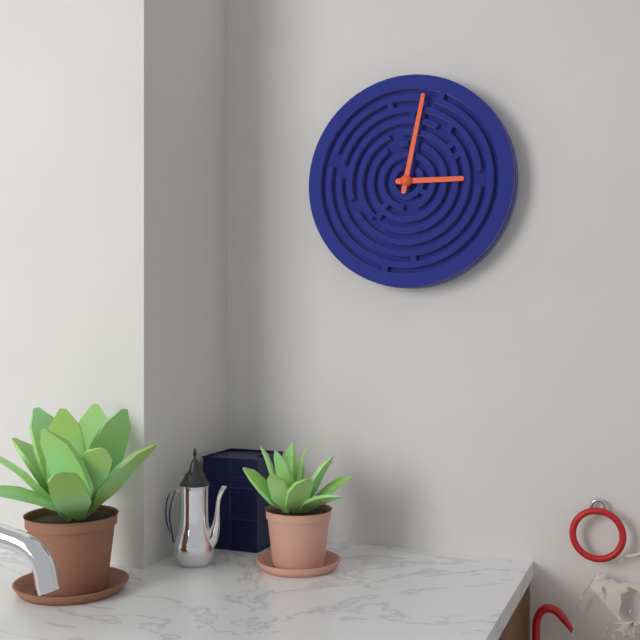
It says 3.02
